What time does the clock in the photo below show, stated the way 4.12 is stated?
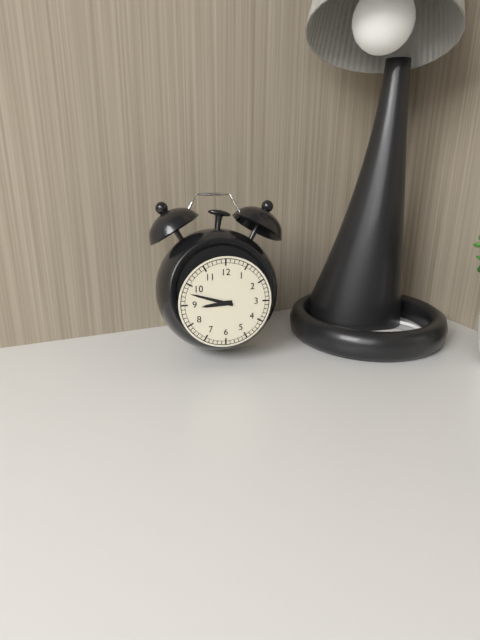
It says 8.48
